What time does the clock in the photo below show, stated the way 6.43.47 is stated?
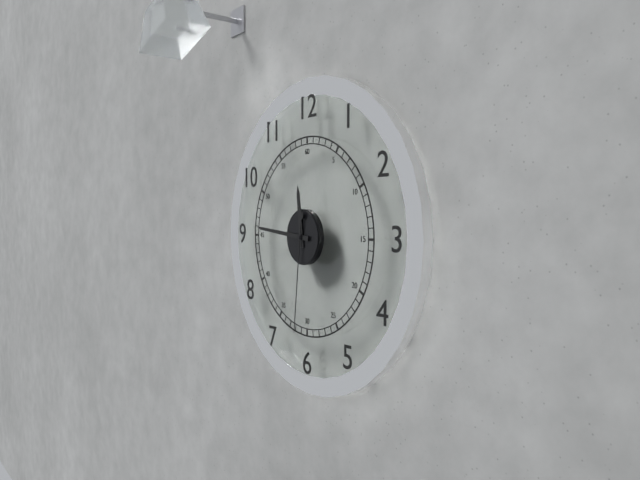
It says 11.46.31
